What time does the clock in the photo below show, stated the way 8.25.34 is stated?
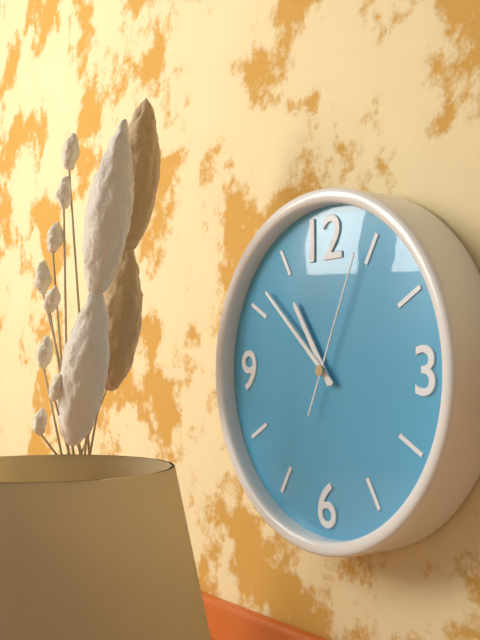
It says 10.52.04
